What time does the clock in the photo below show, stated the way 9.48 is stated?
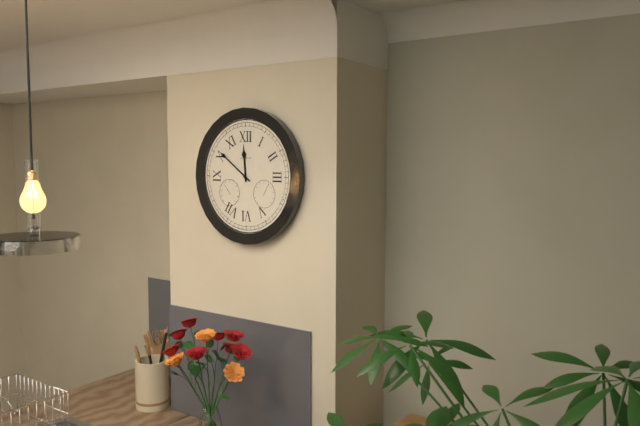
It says 11.51
